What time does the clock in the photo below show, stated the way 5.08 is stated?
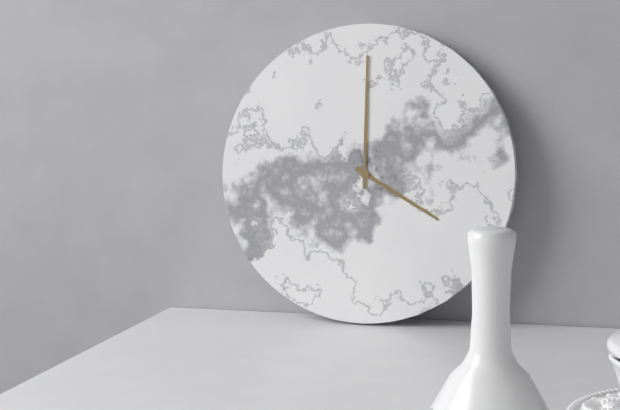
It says 4.00
